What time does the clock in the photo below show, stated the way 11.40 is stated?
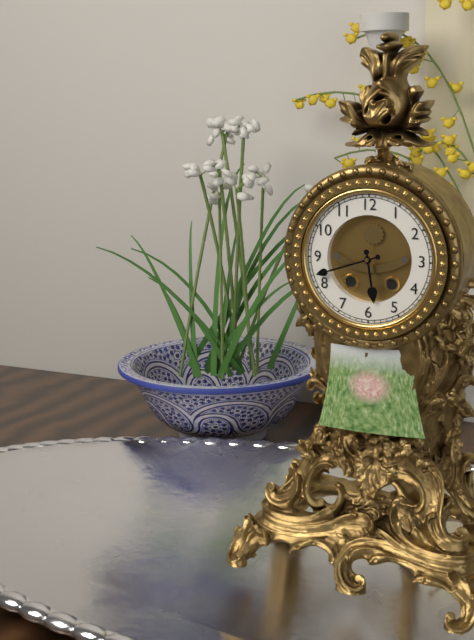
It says 5.42
